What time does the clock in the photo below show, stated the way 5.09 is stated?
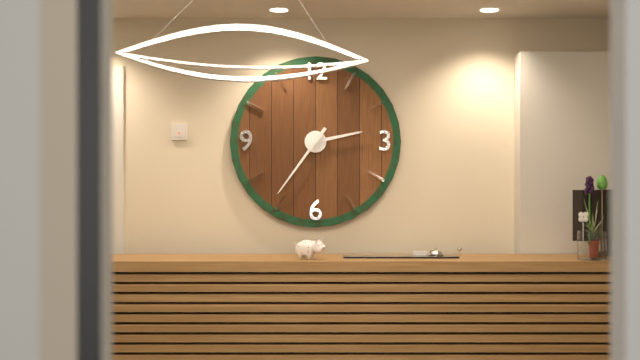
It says 2.36
